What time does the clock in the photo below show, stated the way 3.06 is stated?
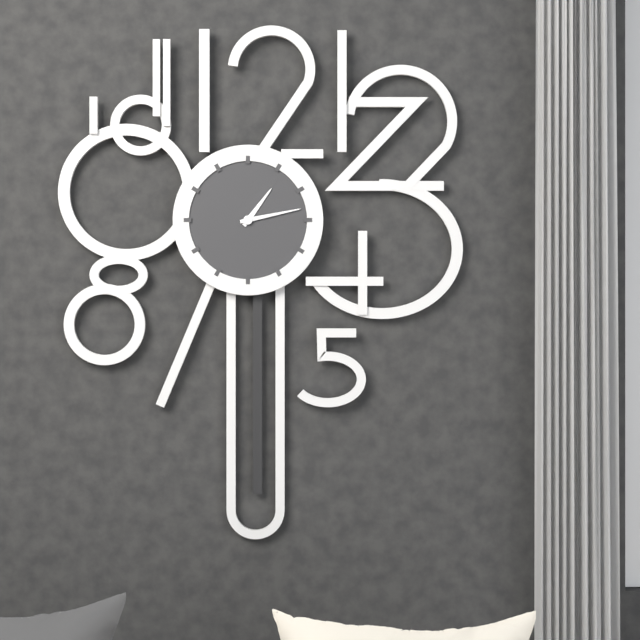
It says 1.13
